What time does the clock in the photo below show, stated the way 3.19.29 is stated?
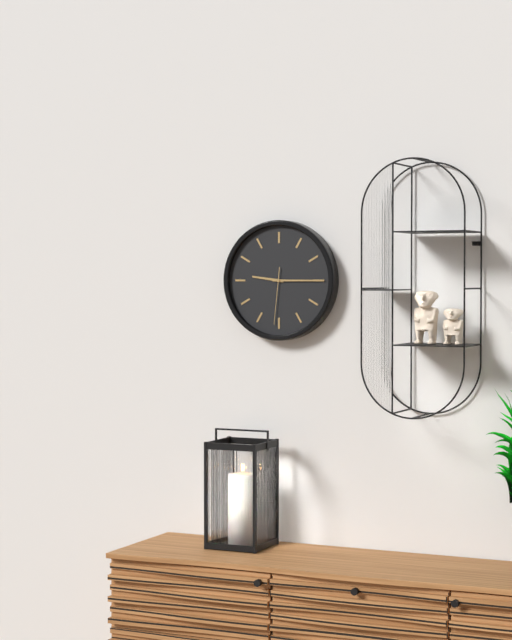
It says 9.15.31
